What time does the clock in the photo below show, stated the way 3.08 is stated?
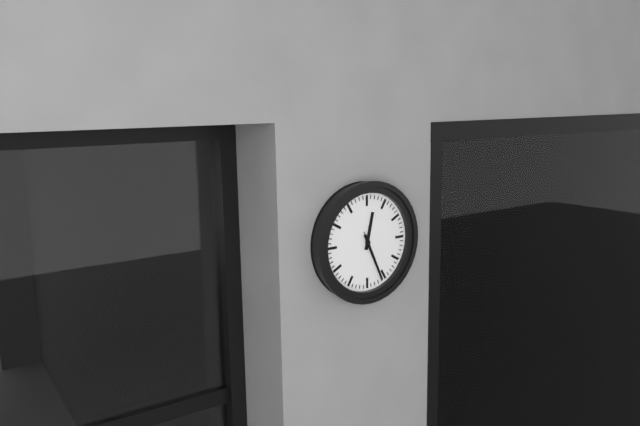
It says 12.26
